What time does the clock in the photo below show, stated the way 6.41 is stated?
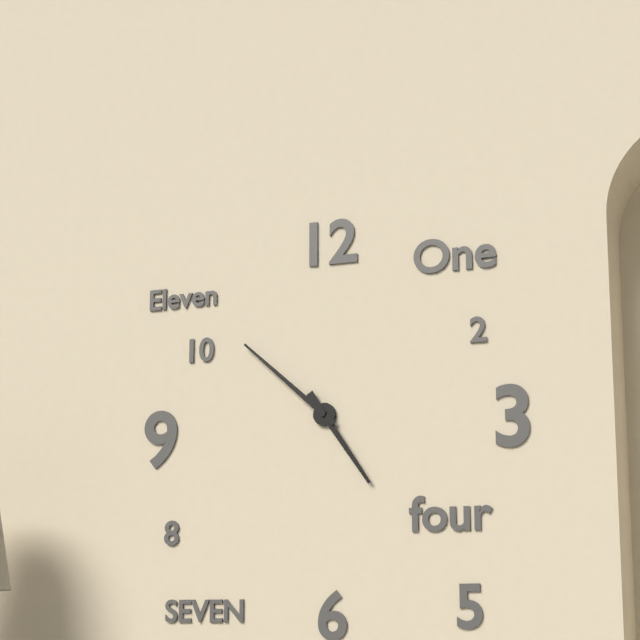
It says 4.52
